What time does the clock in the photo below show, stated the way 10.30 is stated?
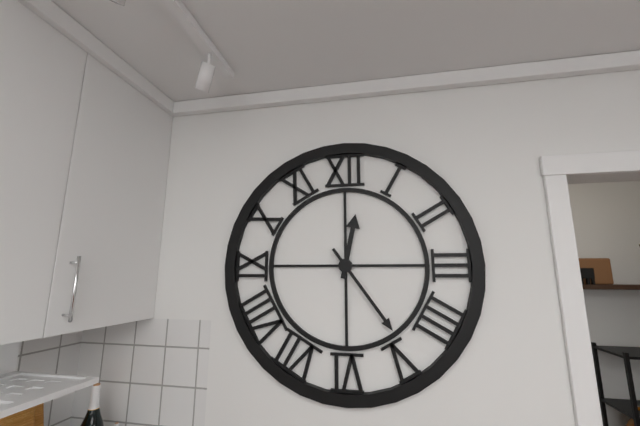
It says 12.24
